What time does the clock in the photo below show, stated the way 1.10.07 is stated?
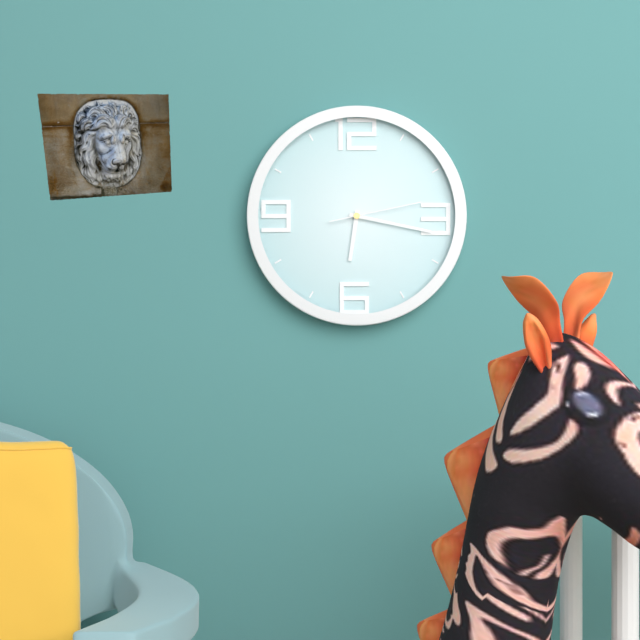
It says 6.17.13
